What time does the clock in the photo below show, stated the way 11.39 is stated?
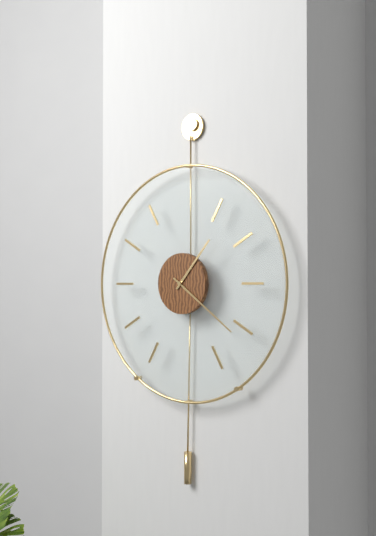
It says 1.21
